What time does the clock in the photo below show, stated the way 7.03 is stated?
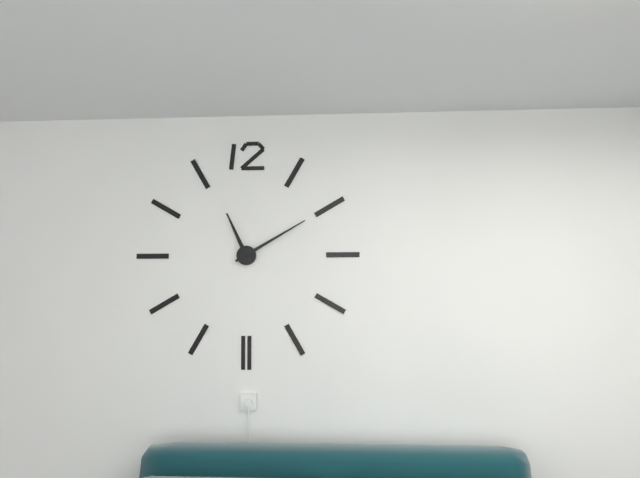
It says 11.10
